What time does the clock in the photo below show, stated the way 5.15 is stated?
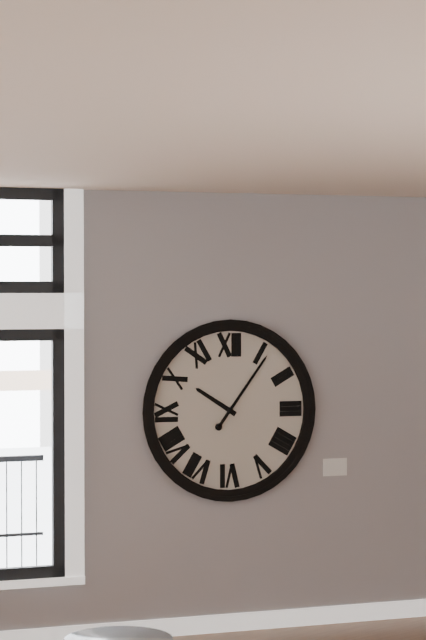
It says 10.06
